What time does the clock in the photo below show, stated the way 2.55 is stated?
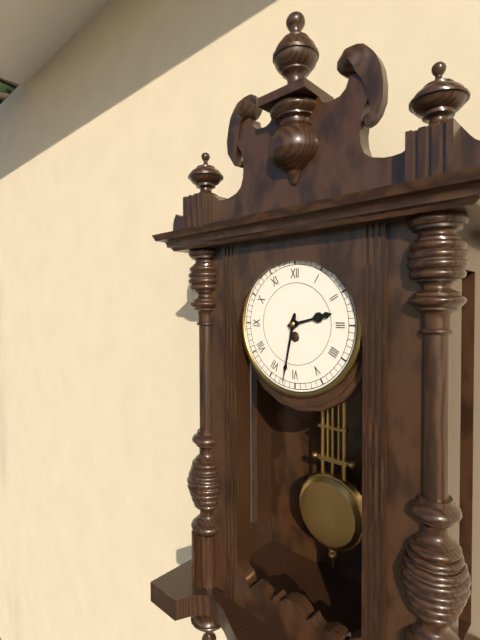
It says 2.32
